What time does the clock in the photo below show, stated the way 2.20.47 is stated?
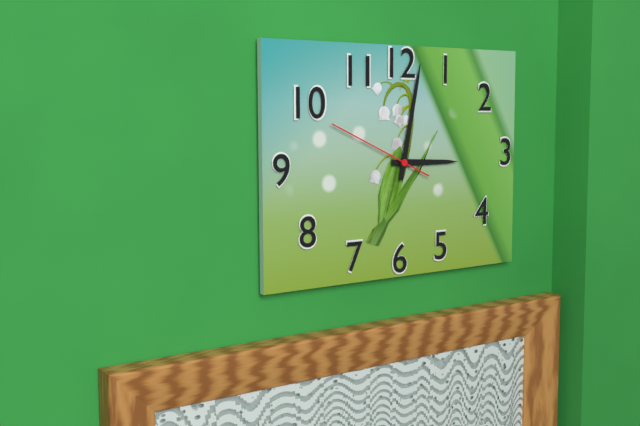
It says 3.02.49
